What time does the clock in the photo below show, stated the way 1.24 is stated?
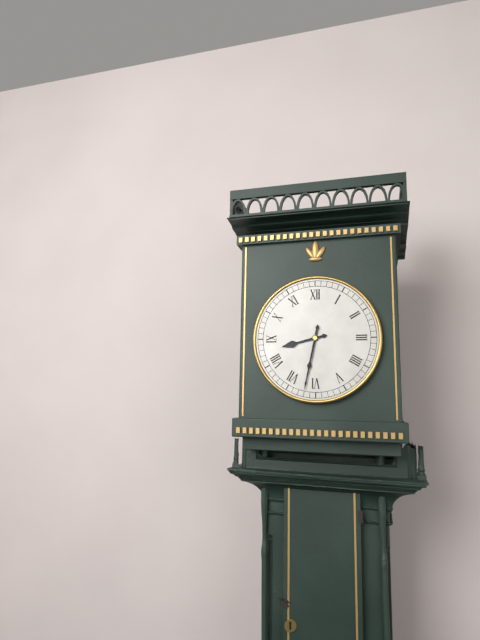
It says 8.32
